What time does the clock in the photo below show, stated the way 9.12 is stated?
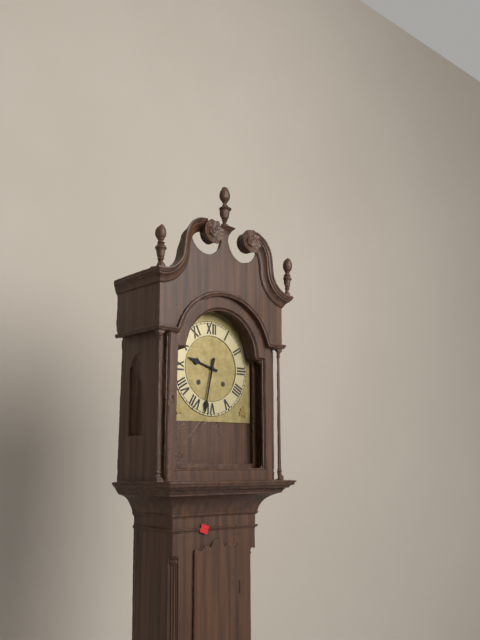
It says 9.32
